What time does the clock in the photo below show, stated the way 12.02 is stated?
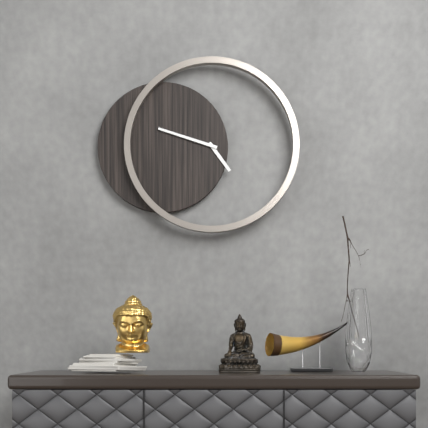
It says 4.48
